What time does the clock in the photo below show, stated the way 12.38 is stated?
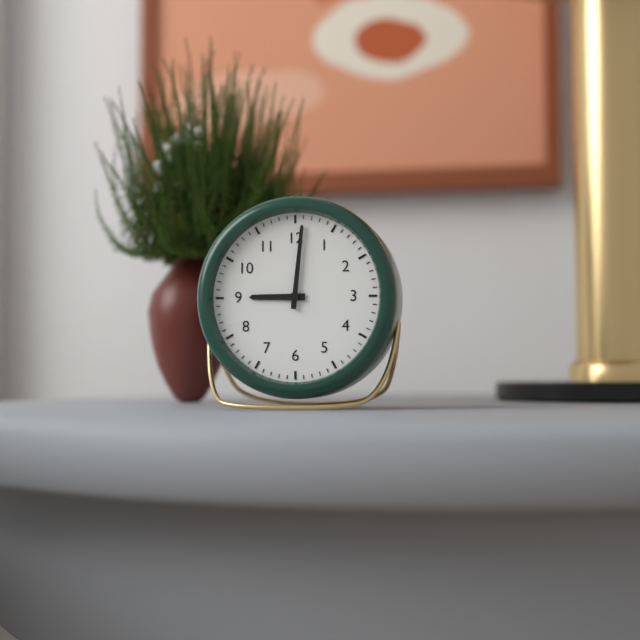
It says 9.01
